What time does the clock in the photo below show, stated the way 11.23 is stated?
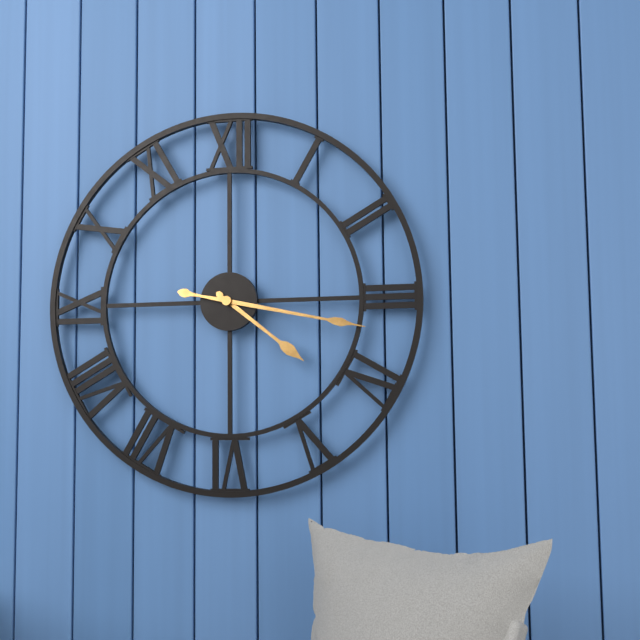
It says 4.17
